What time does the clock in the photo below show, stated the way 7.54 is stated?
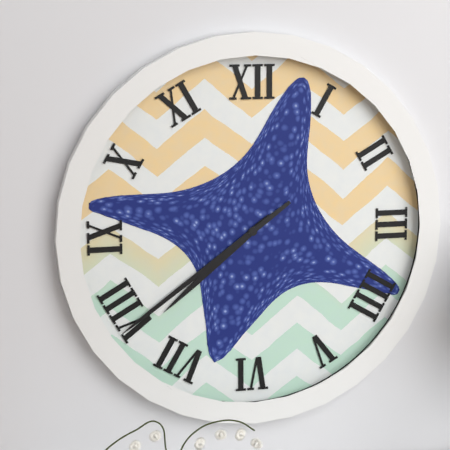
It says 7.39
